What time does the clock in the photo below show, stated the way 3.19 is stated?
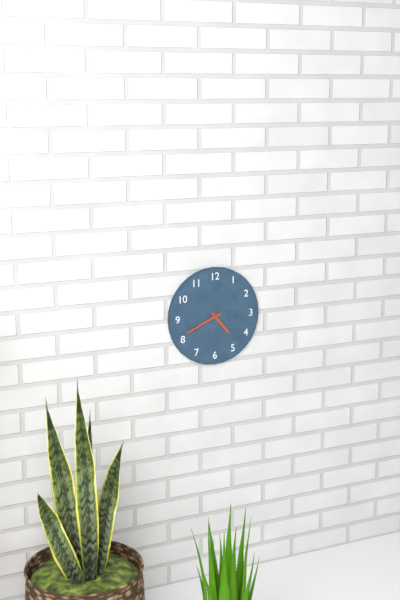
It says 4.41
